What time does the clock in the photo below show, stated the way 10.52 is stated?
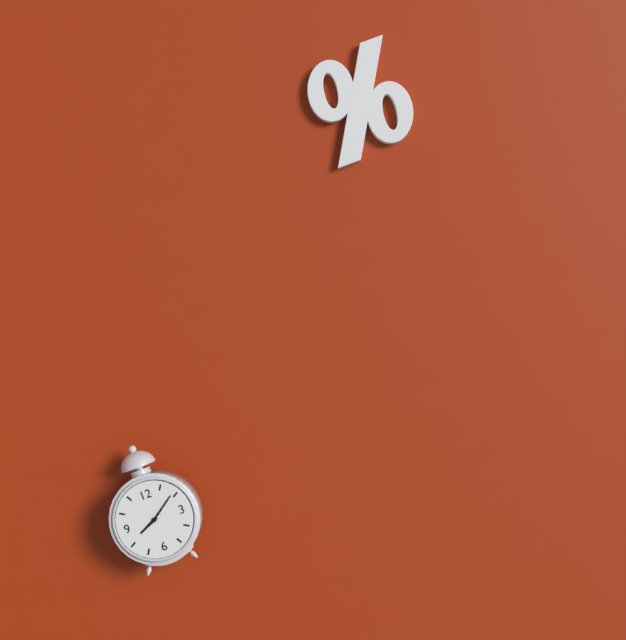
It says 8.09
